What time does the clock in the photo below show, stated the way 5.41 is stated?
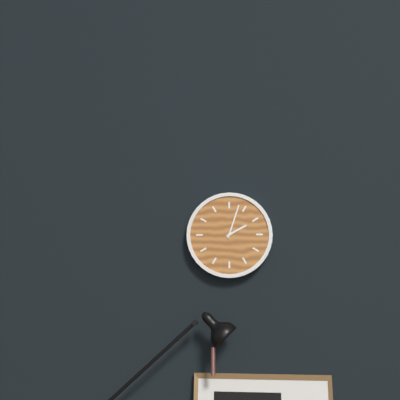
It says 2.03
